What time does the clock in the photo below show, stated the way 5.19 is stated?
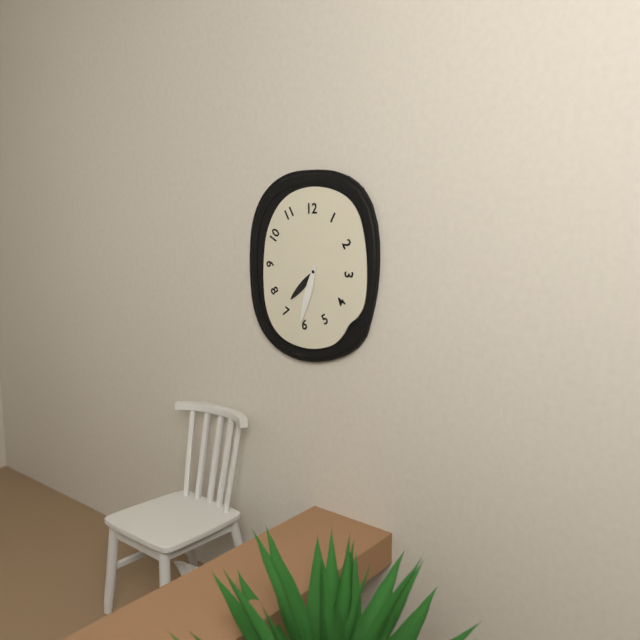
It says 7.33
